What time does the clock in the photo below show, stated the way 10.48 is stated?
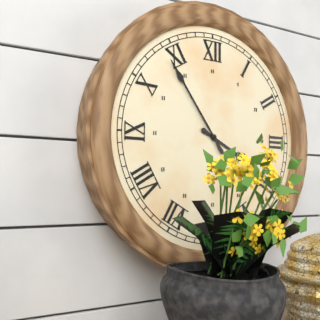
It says 3.54
